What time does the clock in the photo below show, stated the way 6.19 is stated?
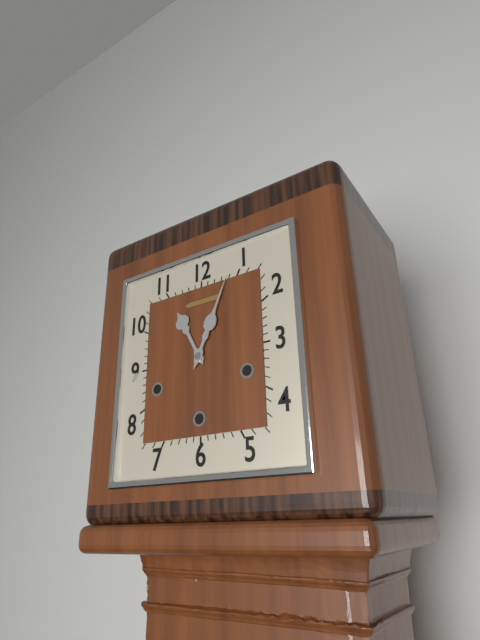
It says 11.04
